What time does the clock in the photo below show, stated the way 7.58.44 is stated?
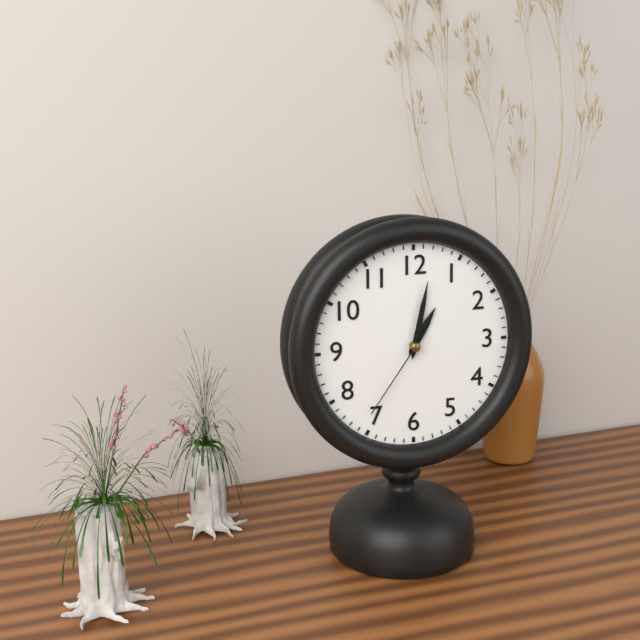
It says 1.02.36
